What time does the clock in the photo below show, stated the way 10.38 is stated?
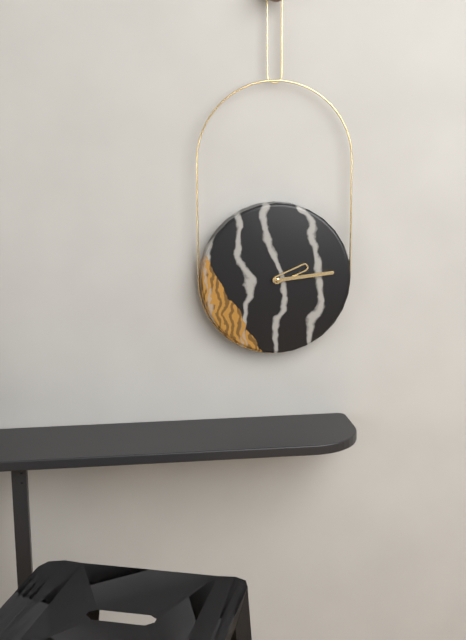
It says 2.14
